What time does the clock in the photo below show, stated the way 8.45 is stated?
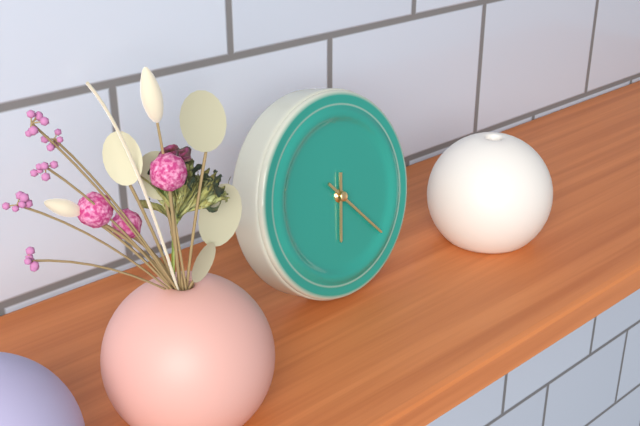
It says 6.23
